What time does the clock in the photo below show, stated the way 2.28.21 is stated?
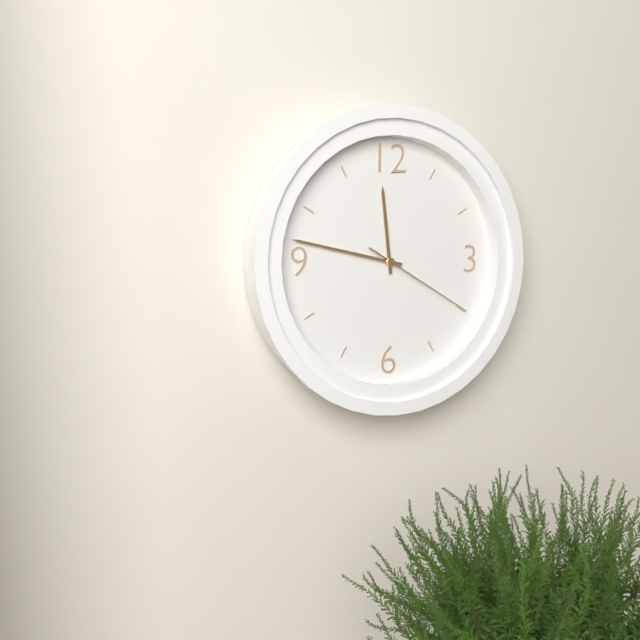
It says 11.47.20
